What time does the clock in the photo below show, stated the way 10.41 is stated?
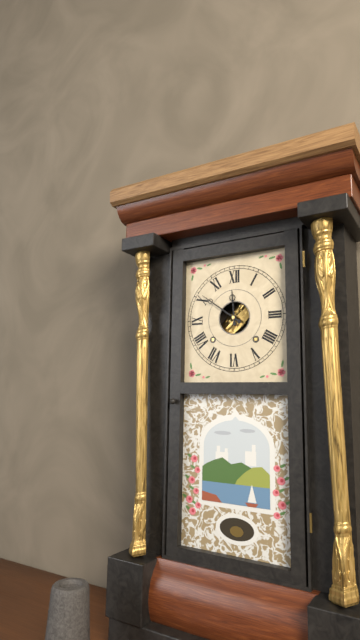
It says 11.51
